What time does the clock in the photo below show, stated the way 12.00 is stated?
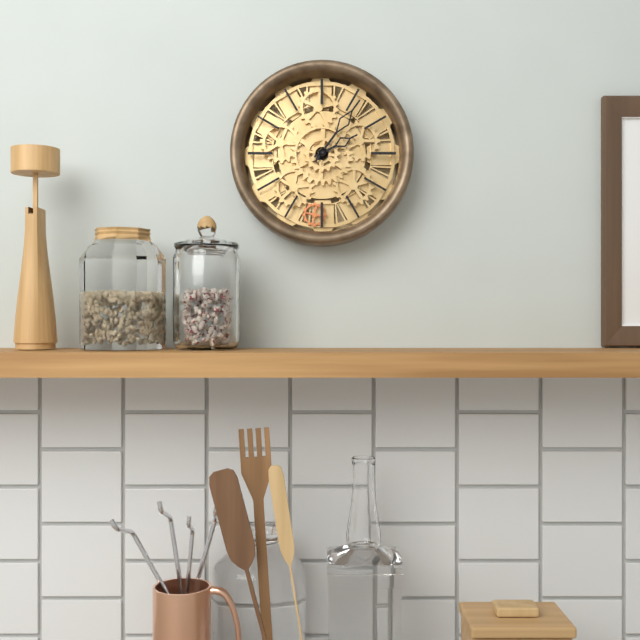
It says 2.06
